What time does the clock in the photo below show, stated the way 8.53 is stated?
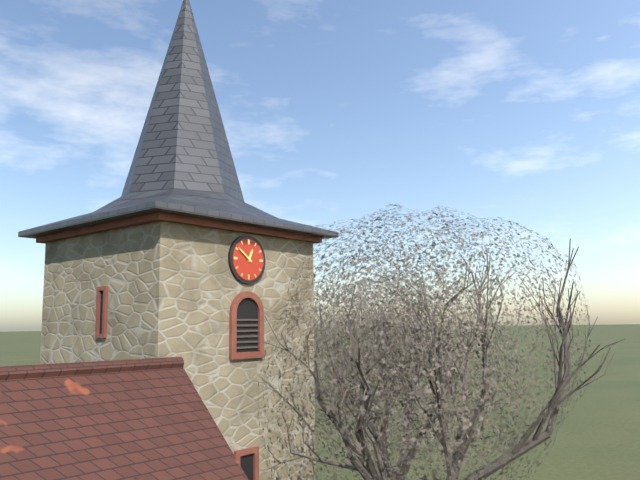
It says 12.51
